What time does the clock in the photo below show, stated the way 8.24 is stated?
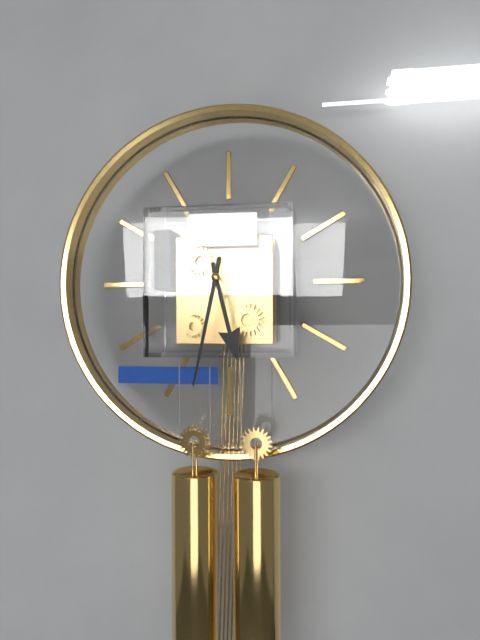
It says 5.32
